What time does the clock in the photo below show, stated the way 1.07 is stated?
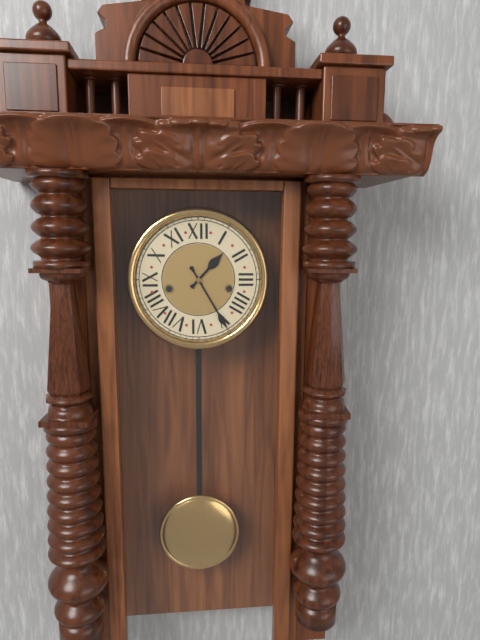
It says 1.25
